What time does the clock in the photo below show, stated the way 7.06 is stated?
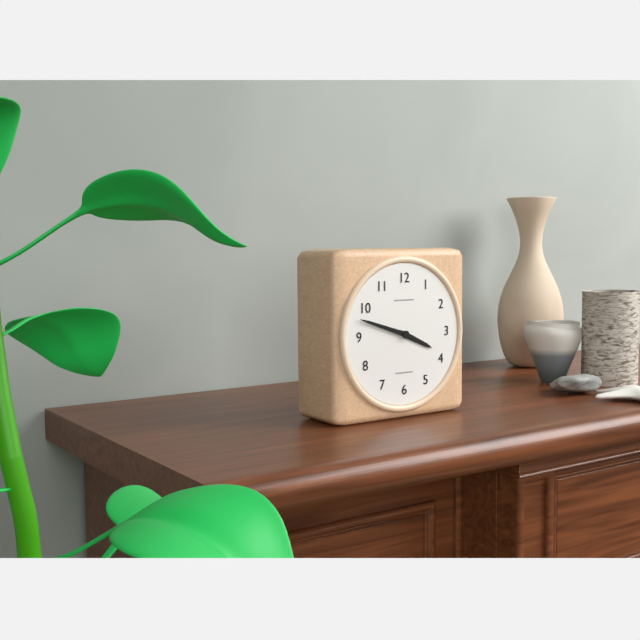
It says 3.48
